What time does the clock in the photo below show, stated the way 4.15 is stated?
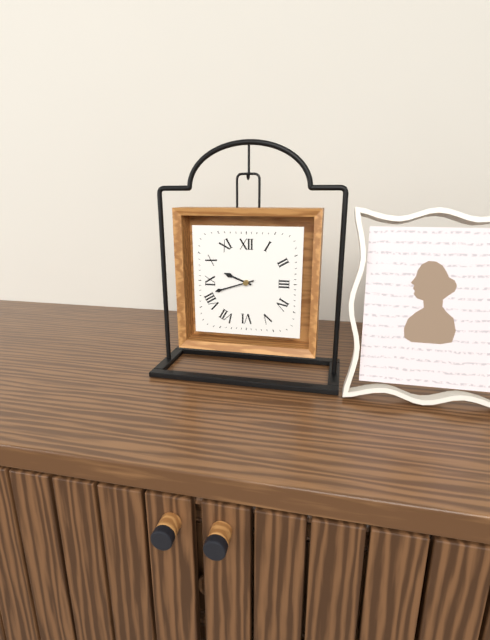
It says 9.42
